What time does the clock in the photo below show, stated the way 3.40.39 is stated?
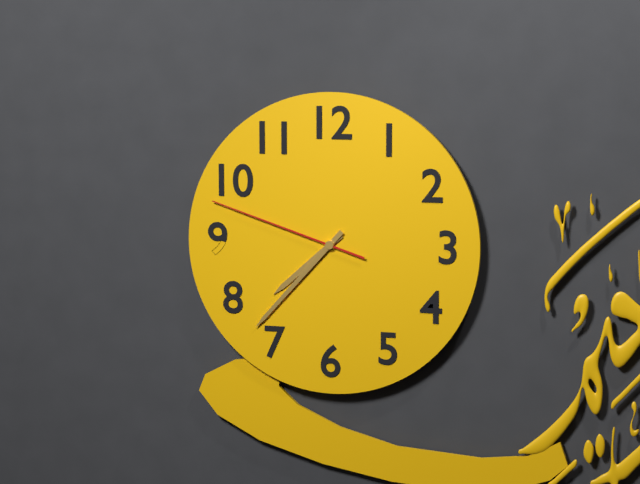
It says 7.37.48
